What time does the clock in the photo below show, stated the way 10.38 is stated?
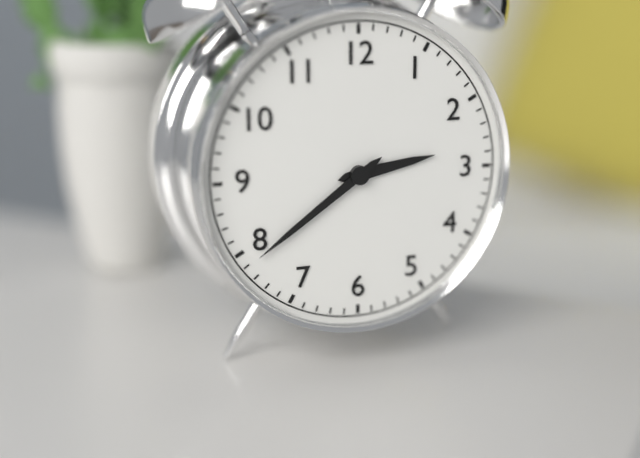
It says 2.39
